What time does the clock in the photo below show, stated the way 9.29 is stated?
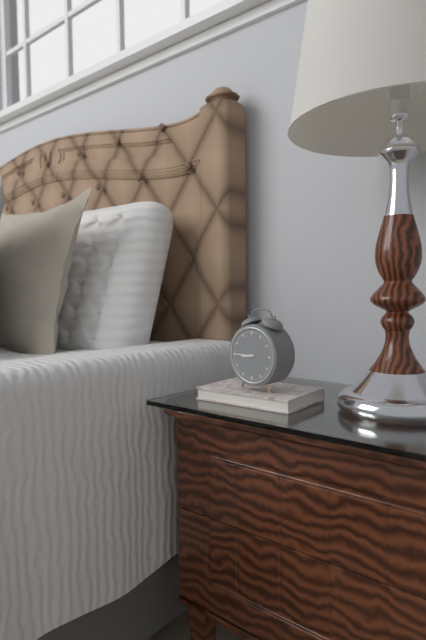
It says 8.45
